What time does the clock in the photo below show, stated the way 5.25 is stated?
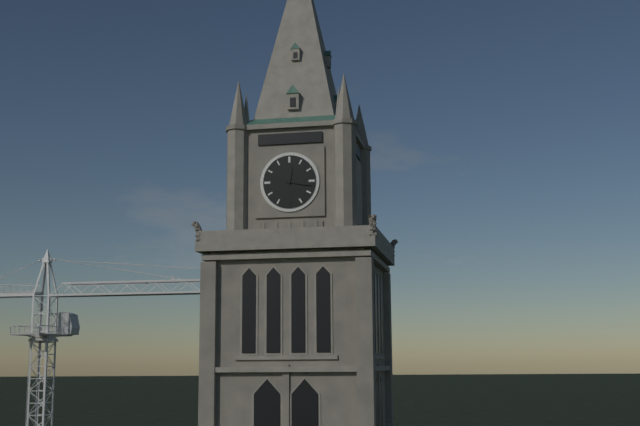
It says 12.17
